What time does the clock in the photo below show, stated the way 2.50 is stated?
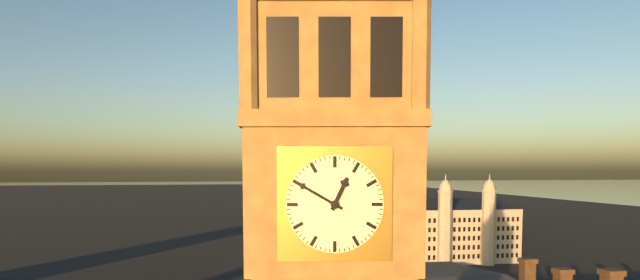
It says 12.50
